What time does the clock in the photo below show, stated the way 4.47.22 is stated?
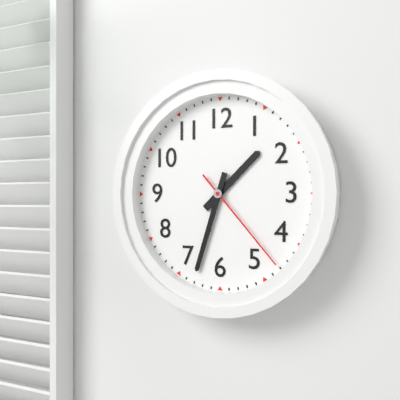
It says 1.33.23
